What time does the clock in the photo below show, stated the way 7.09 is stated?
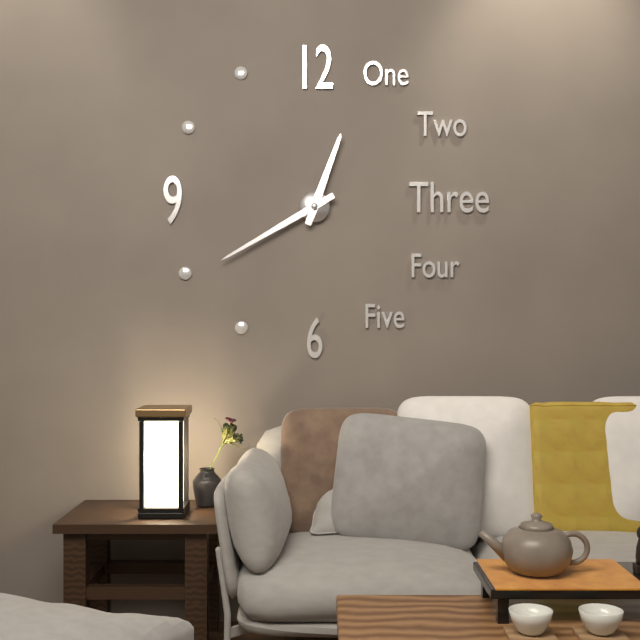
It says 12.40
